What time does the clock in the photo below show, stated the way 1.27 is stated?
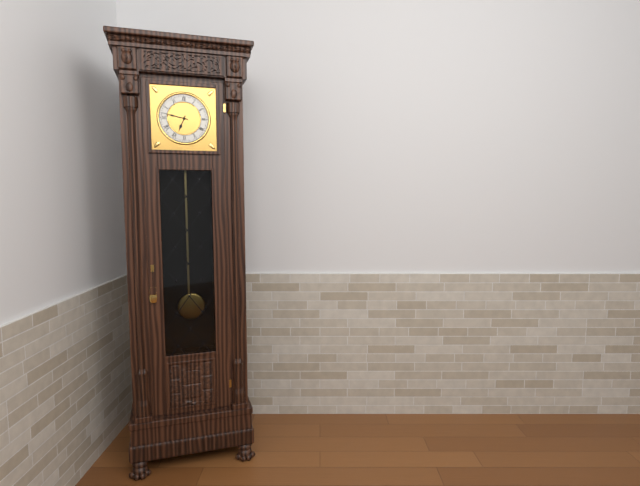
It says 6.47
